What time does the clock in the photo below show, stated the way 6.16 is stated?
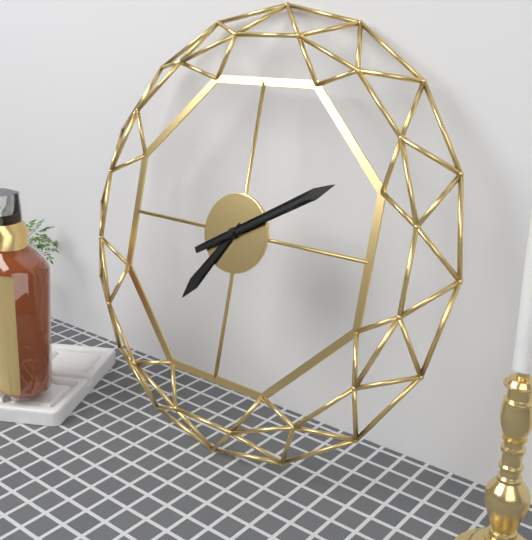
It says 7.10
